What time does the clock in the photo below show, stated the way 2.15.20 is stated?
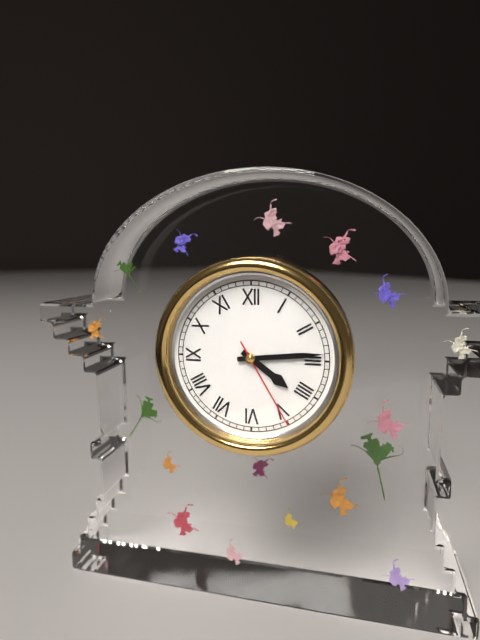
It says 4.14.25
